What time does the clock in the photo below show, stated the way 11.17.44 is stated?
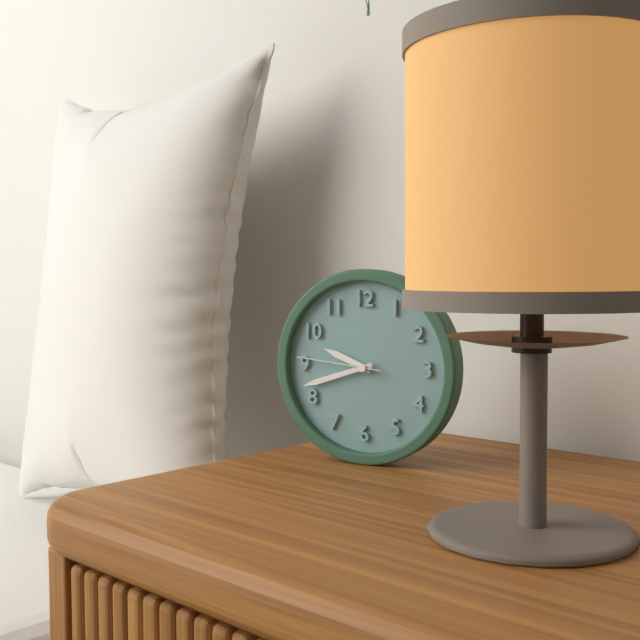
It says 9.42.46
